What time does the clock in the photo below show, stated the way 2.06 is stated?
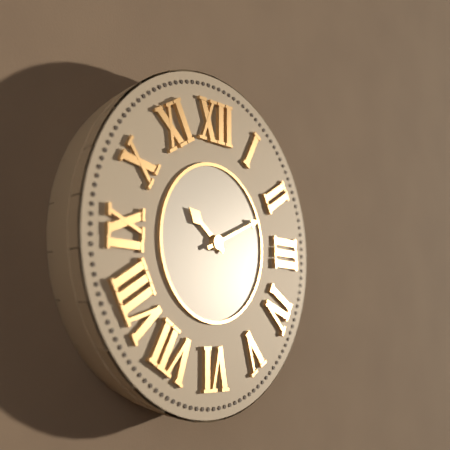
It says 10.11
